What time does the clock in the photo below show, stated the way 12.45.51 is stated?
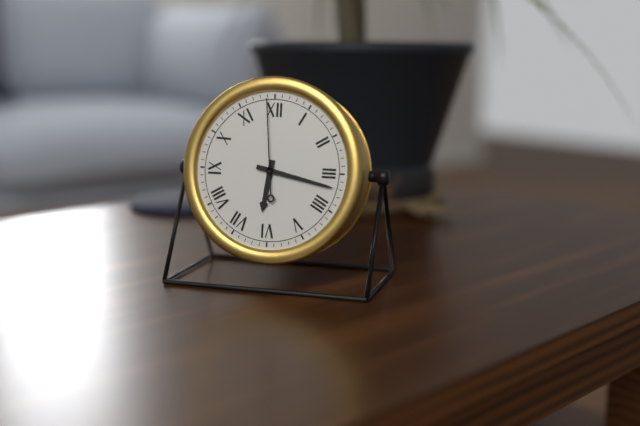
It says 6.17.59
